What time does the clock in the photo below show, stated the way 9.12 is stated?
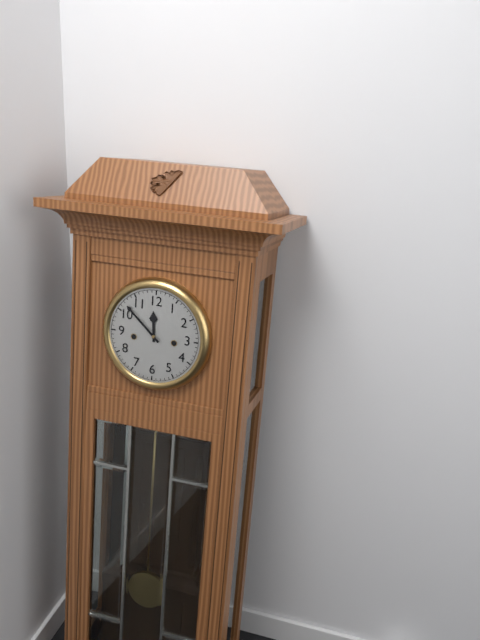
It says 11.52
